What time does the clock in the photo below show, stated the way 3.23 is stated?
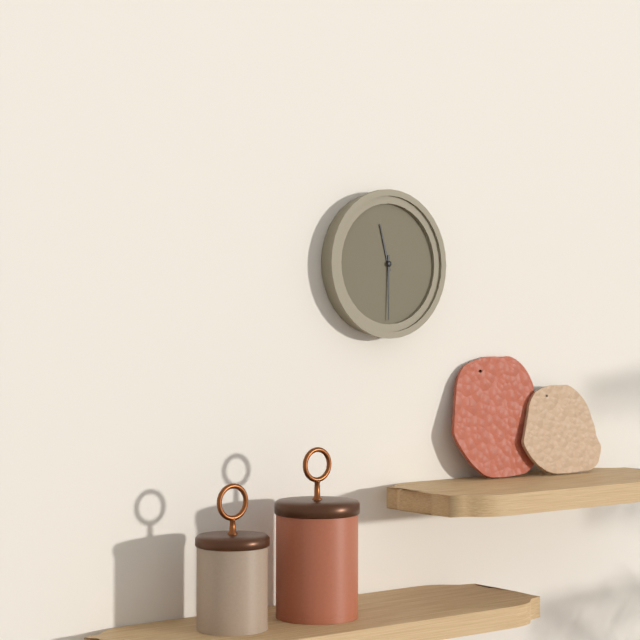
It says 11.30
